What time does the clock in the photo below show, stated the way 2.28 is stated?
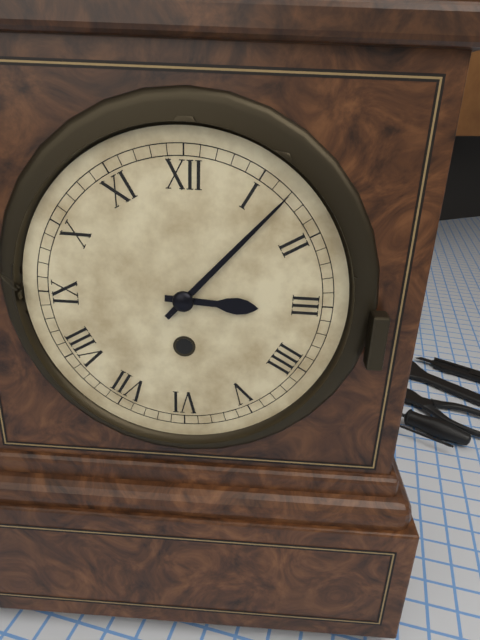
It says 3.07
